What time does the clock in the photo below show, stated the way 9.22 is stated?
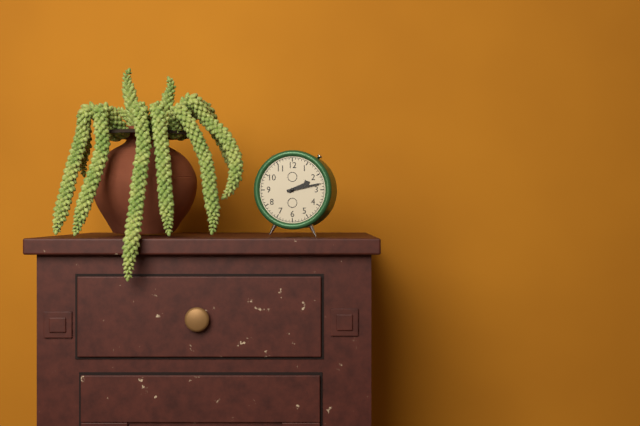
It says 2.13
